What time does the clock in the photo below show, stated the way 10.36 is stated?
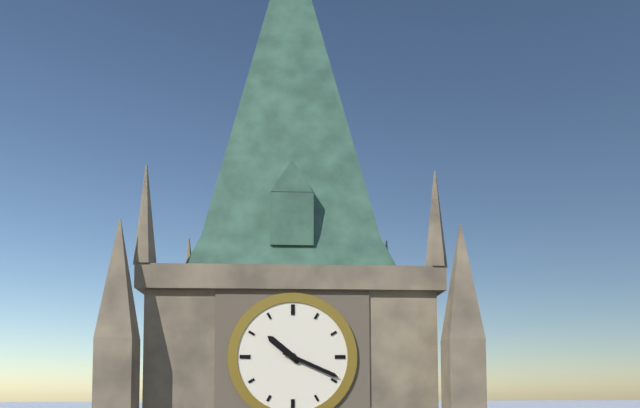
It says 10.19
